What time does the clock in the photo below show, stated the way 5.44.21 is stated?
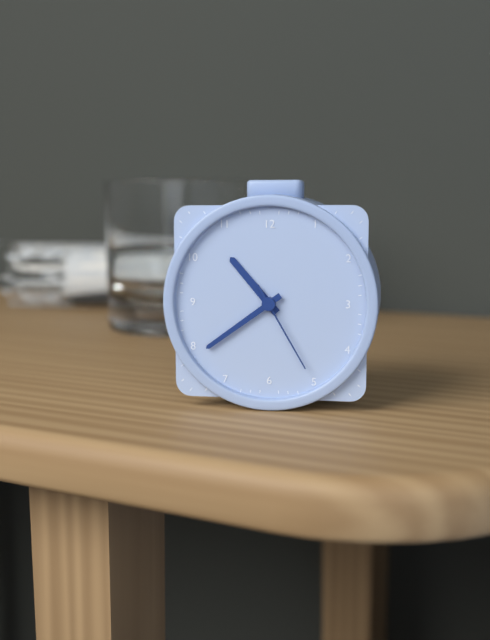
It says 10.39.25
